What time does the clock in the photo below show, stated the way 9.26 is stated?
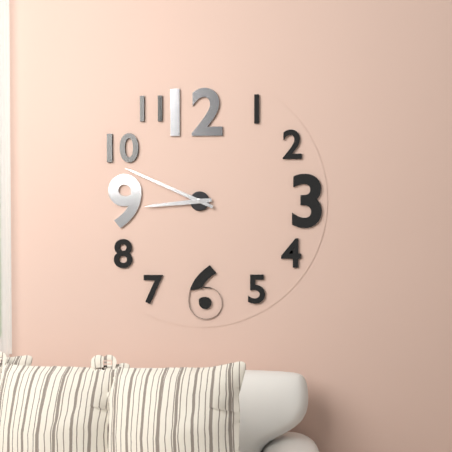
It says 8.49
